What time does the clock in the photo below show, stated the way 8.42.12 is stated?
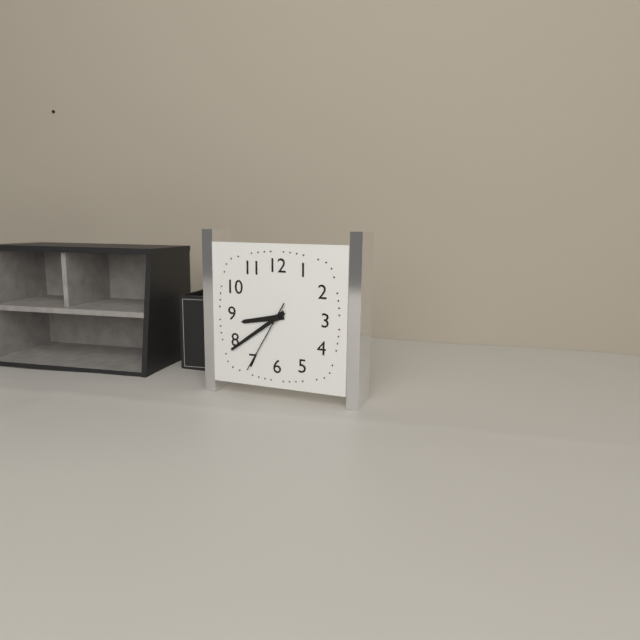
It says 8.39.35
